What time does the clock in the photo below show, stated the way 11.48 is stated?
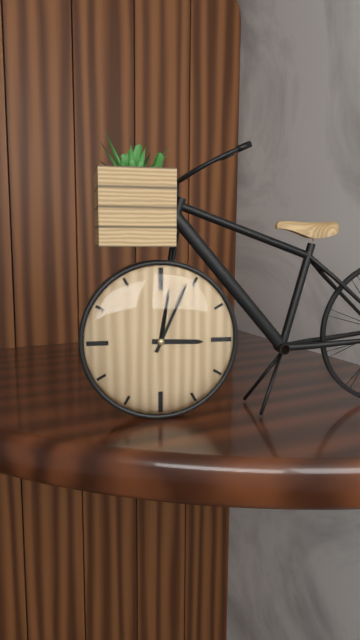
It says 3.04
